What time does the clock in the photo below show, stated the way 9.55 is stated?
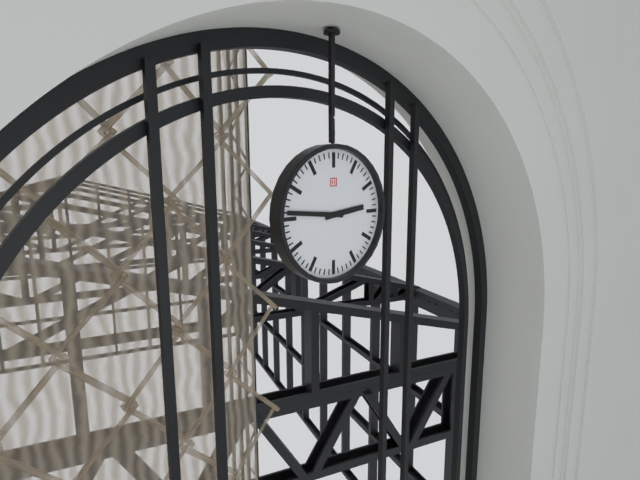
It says 2.46
